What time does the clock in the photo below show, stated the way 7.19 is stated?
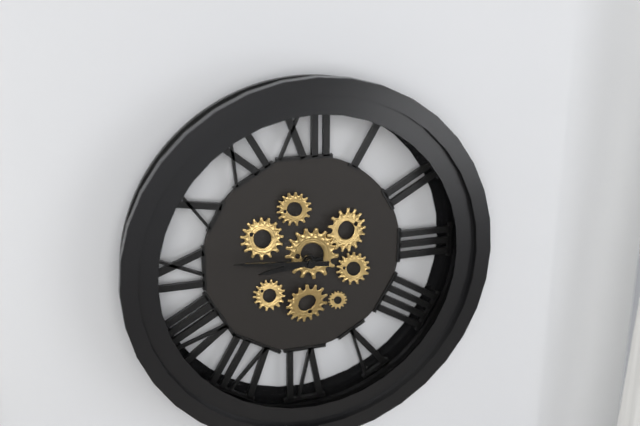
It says 8.46
